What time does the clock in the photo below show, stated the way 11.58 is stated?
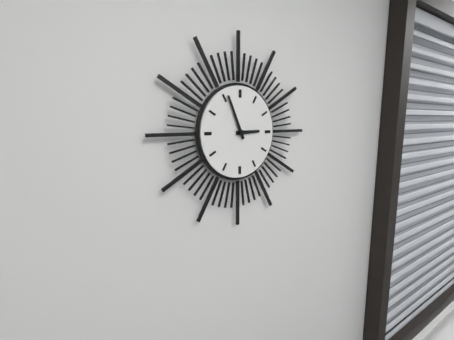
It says 2.56
